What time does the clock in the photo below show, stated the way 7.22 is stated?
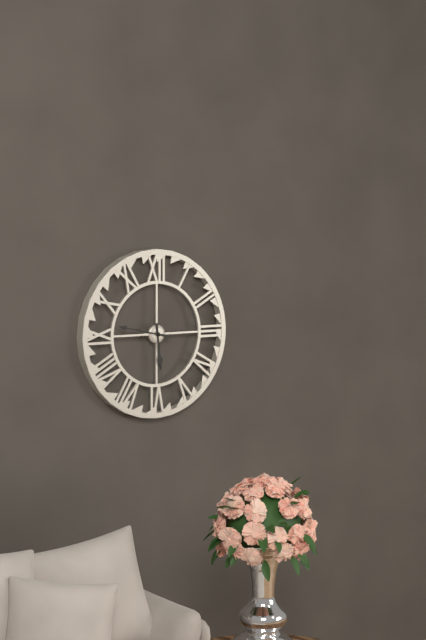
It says 5.47
